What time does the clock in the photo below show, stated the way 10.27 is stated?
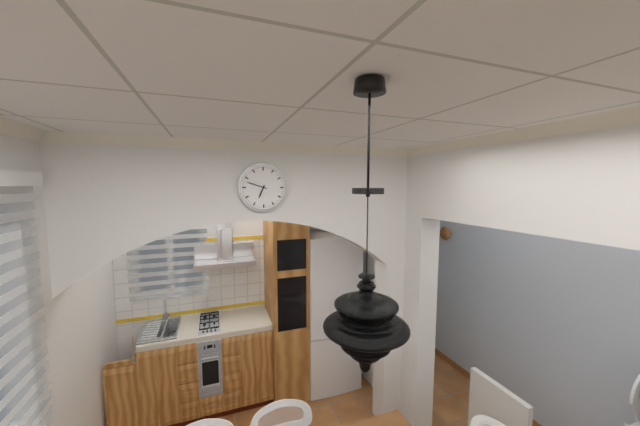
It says 6.48
